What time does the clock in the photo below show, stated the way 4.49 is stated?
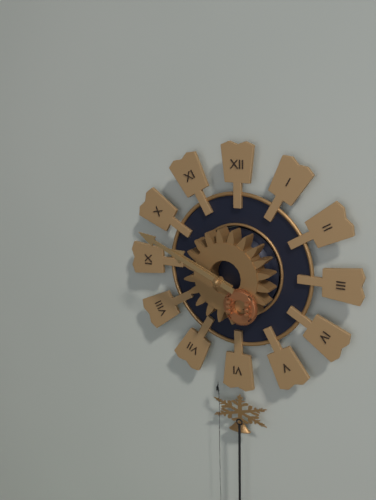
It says 9.49
